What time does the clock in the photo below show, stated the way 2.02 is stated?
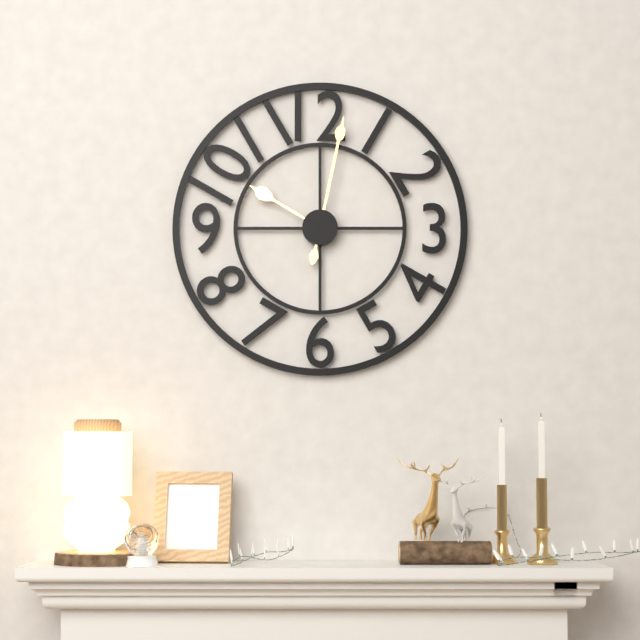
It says 10.02
